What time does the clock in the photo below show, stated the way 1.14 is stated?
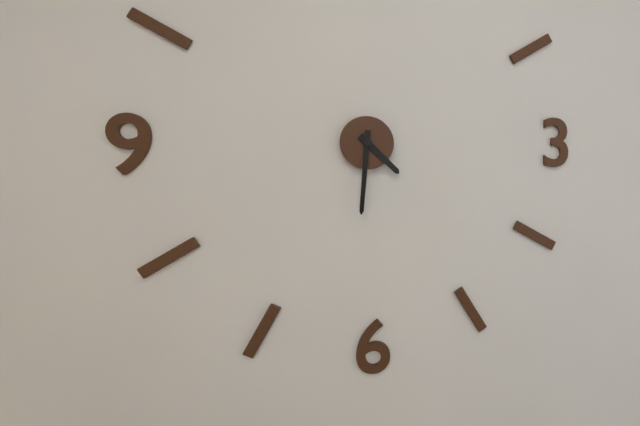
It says 4.31
